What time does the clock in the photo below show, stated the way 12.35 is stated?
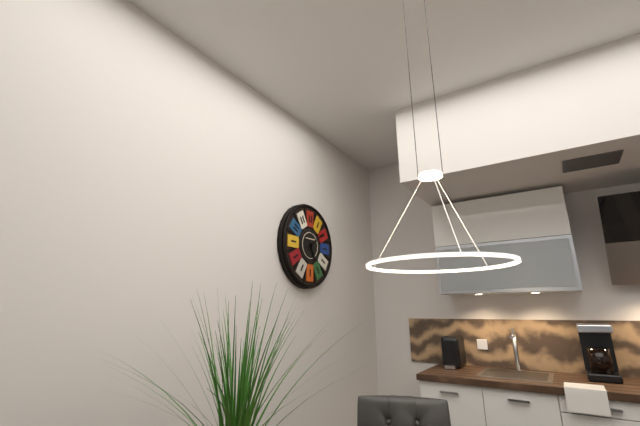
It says 5.09
